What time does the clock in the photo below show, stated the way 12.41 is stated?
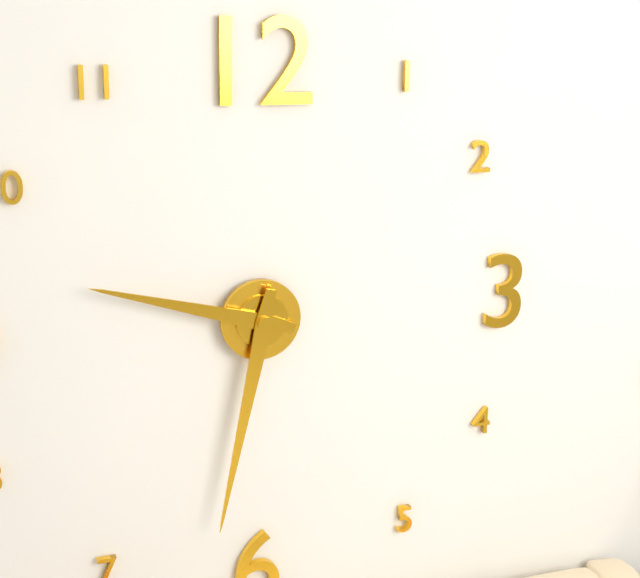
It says 9.32
